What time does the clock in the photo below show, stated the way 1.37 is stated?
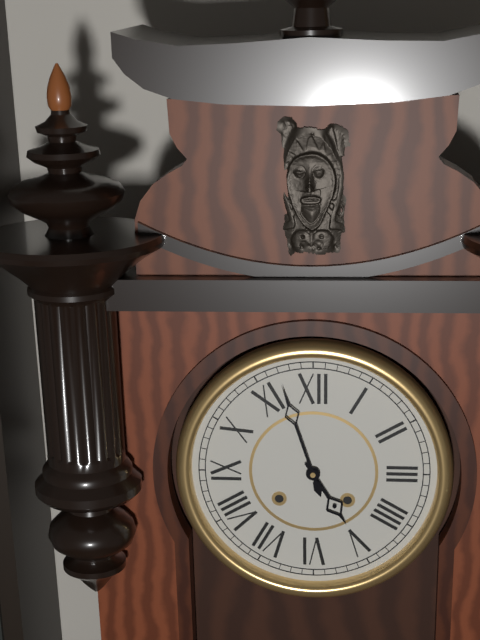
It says 4.57
